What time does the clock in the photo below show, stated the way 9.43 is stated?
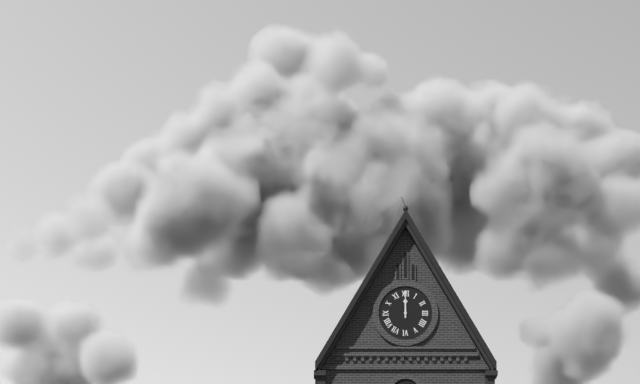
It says 12.00
